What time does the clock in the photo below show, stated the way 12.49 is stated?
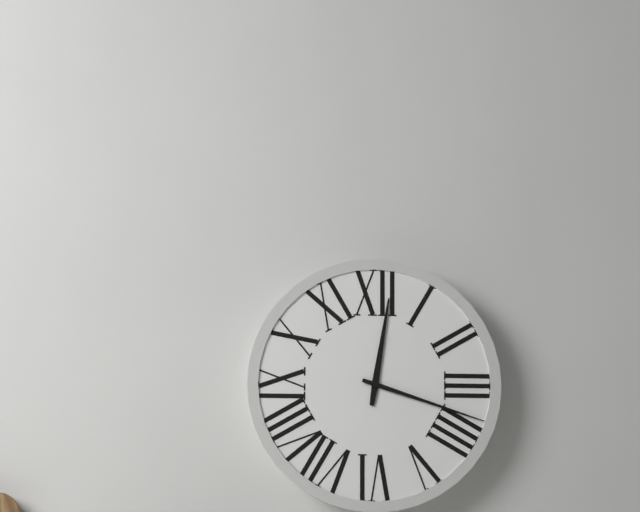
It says 12.18
